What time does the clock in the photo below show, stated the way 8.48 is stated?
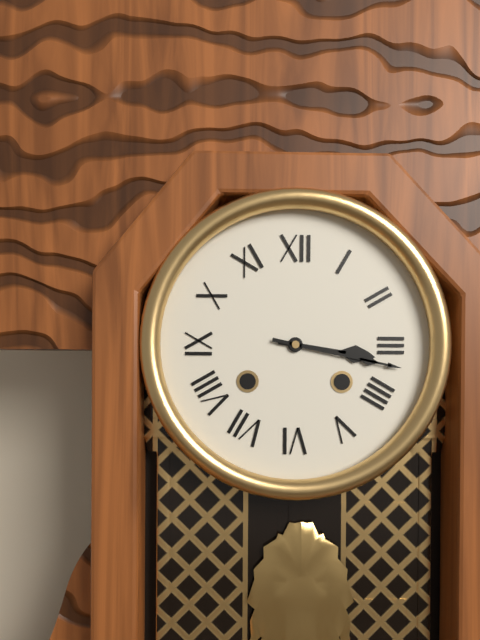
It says 3.17
